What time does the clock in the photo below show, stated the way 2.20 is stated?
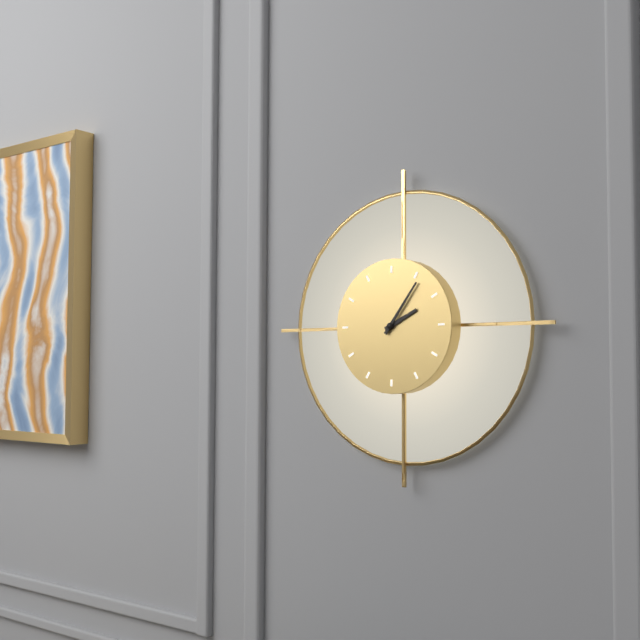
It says 2.06
